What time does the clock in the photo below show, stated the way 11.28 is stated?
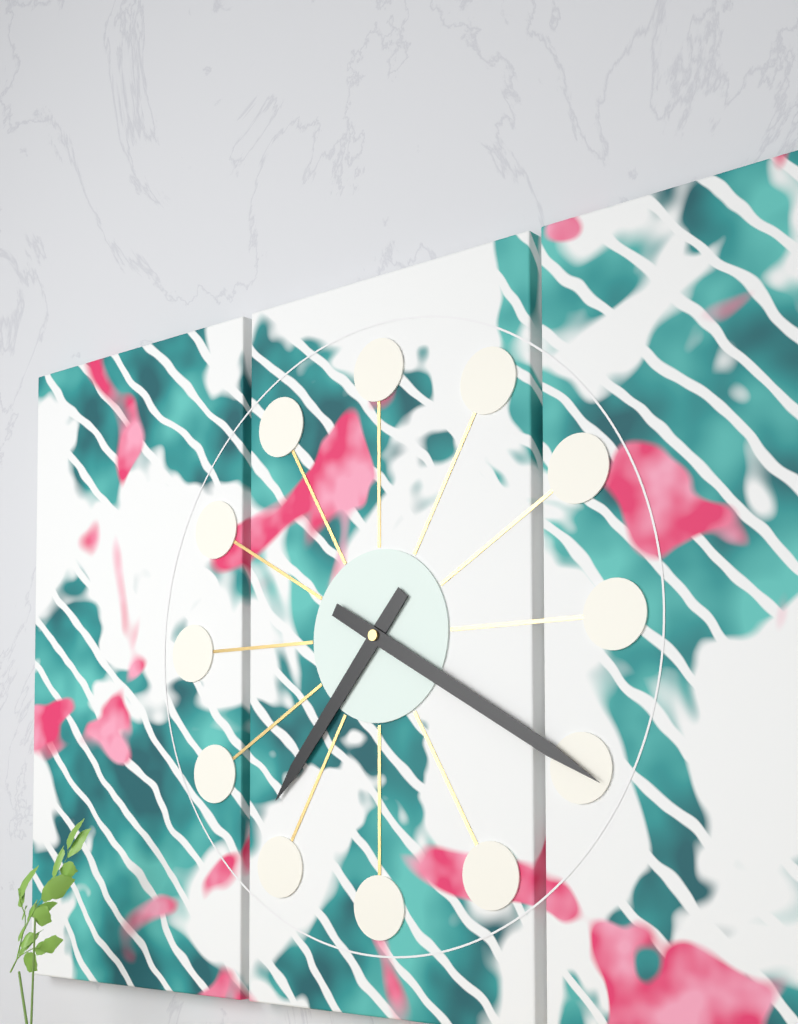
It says 7.20
